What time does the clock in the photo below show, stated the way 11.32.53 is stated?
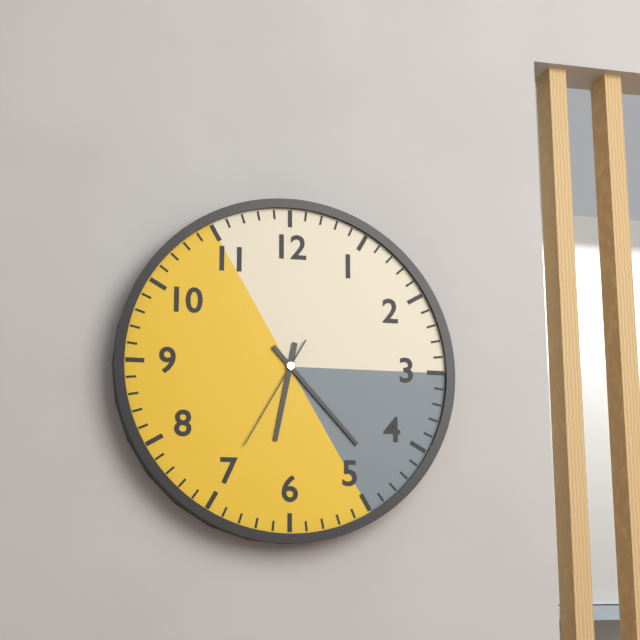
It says 6.23.35
